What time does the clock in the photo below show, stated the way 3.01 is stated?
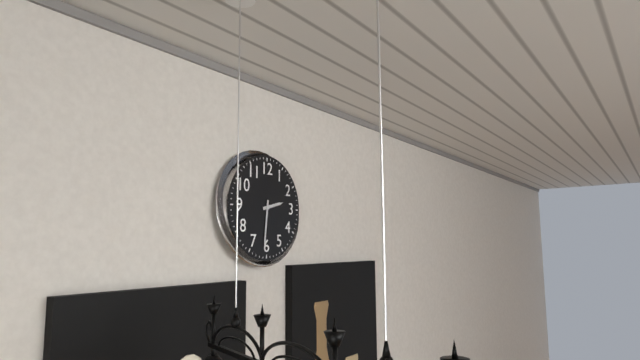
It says 2.31
